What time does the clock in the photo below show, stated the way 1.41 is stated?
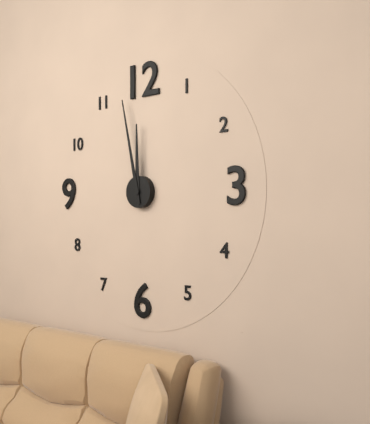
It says 11.58
